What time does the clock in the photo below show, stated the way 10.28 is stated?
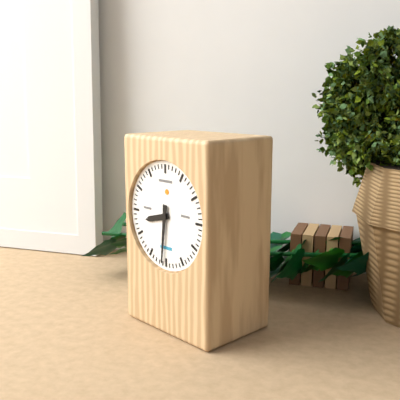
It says 8.31
